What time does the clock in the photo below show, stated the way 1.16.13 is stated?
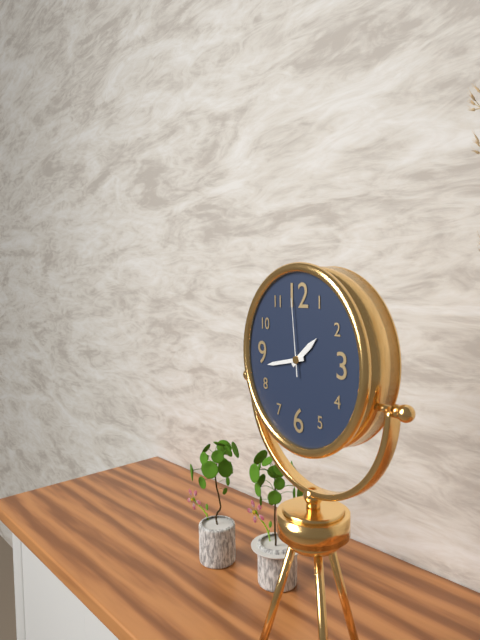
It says 1.43.59
